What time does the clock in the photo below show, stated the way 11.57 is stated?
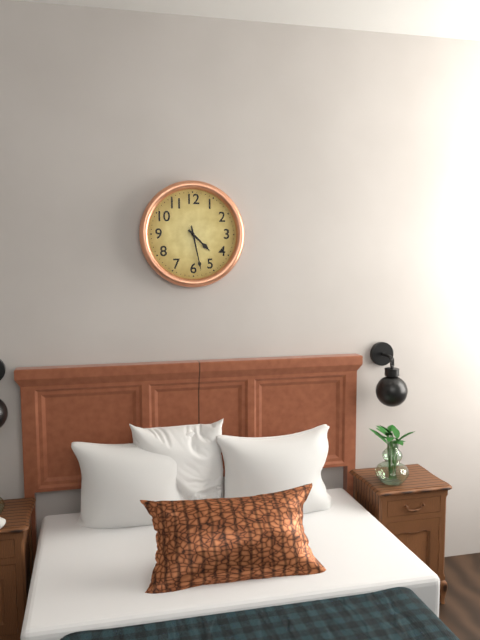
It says 4.28
